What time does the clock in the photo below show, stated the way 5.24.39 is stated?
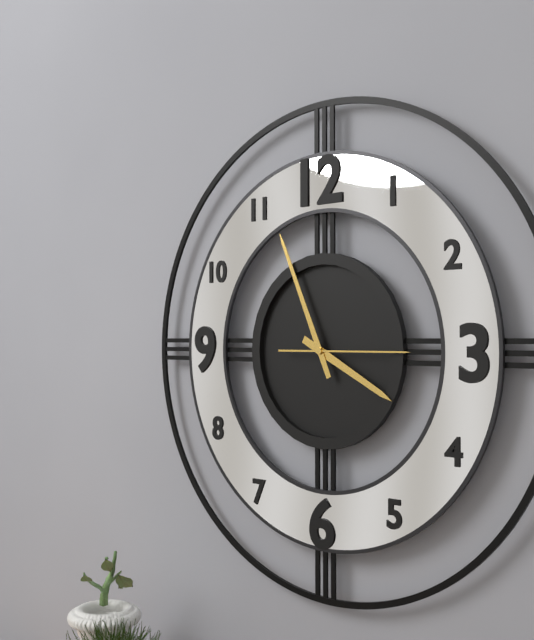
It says 3.56.15
